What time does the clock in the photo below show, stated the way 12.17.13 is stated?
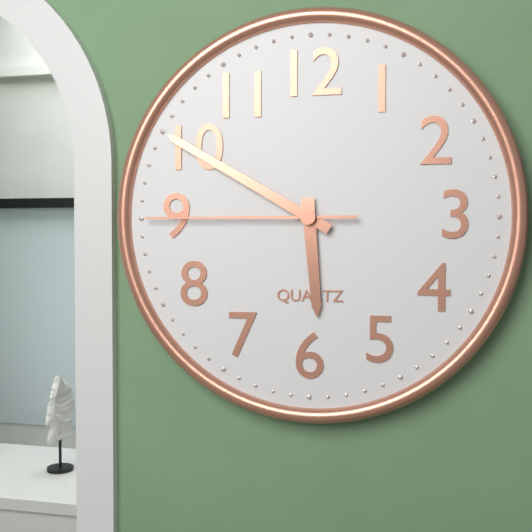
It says 5.50.45
